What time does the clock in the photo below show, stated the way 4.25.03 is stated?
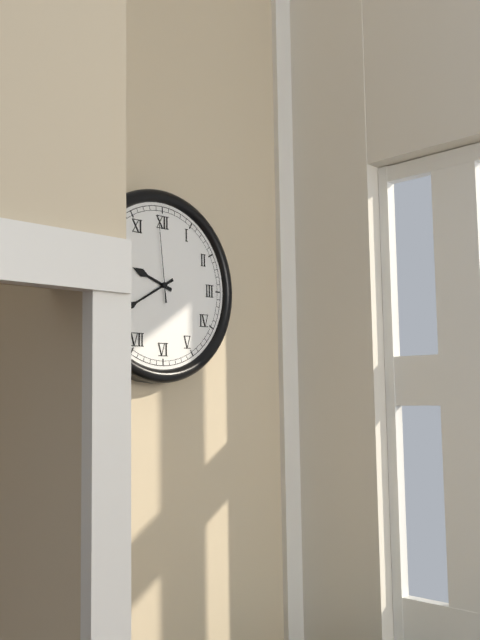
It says 9.40.59
